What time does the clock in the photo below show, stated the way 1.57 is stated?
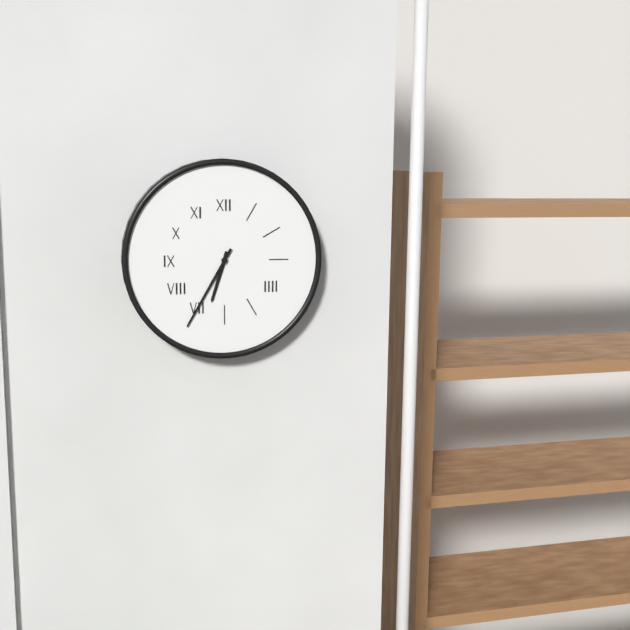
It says 6.35
